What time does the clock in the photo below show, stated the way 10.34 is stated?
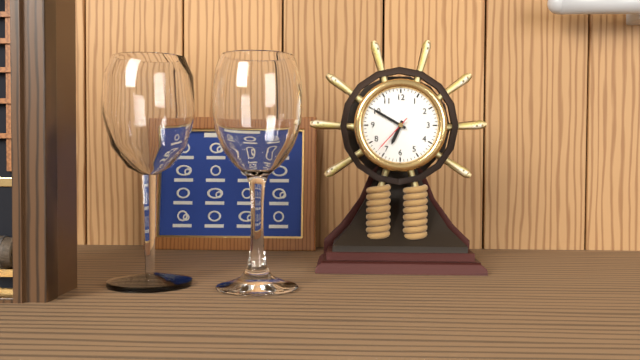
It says 6.50
